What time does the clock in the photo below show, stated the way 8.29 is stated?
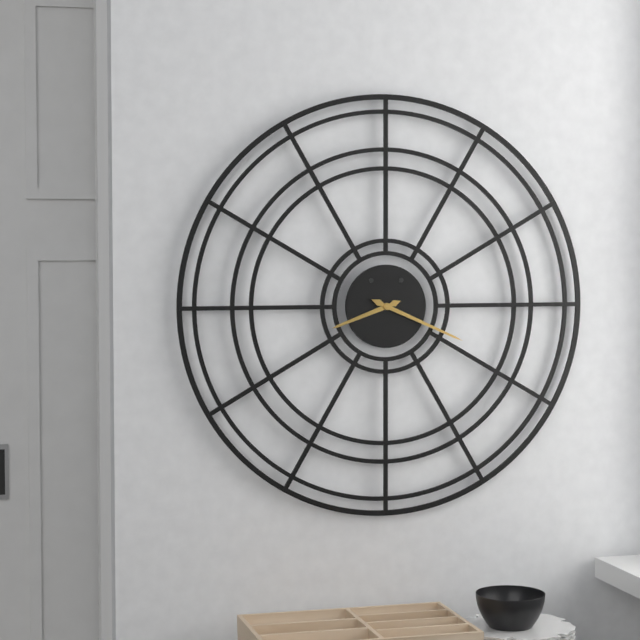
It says 8.19
